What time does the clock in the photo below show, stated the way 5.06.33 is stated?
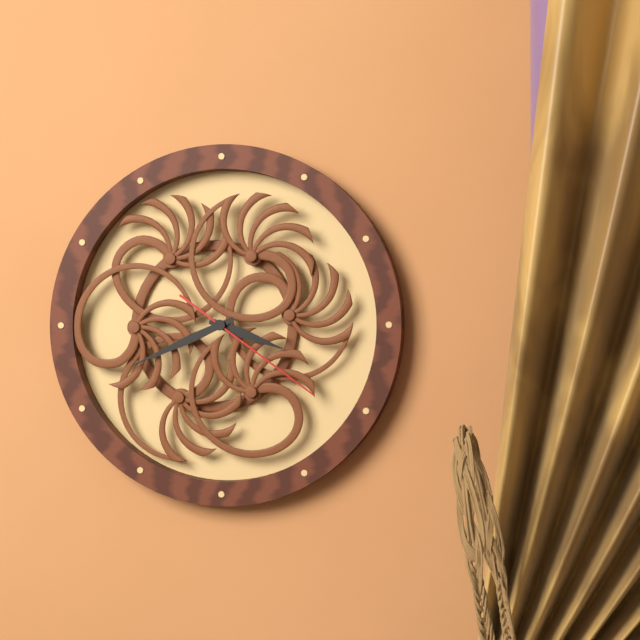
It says 3.41.21
